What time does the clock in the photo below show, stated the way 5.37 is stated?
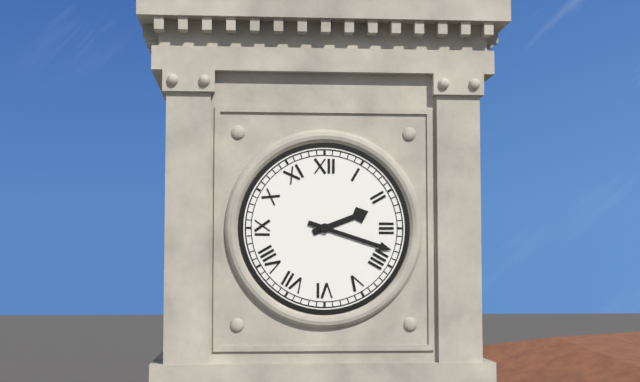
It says 2.18
